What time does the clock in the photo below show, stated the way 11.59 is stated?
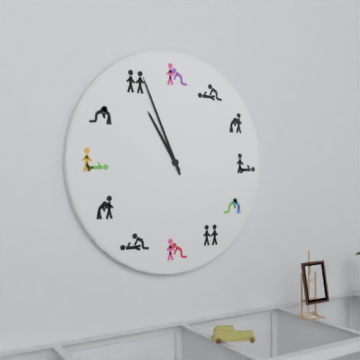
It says 10.56
